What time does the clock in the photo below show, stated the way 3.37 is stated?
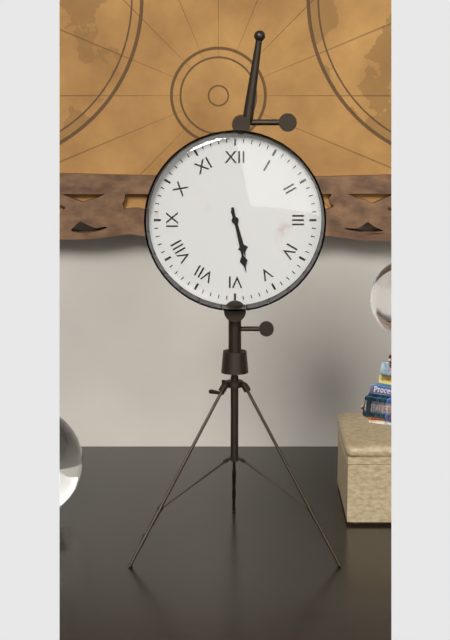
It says 5.28
